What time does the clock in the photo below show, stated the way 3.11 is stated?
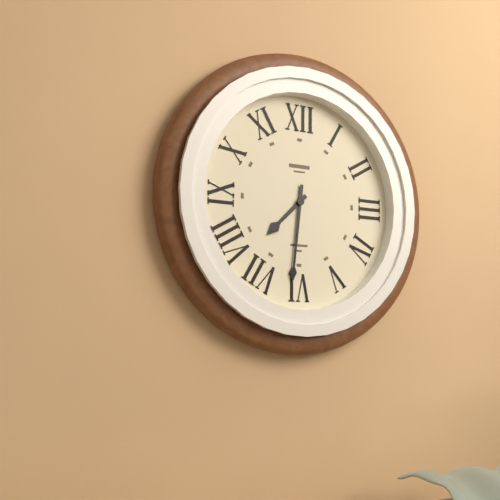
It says 7.31
